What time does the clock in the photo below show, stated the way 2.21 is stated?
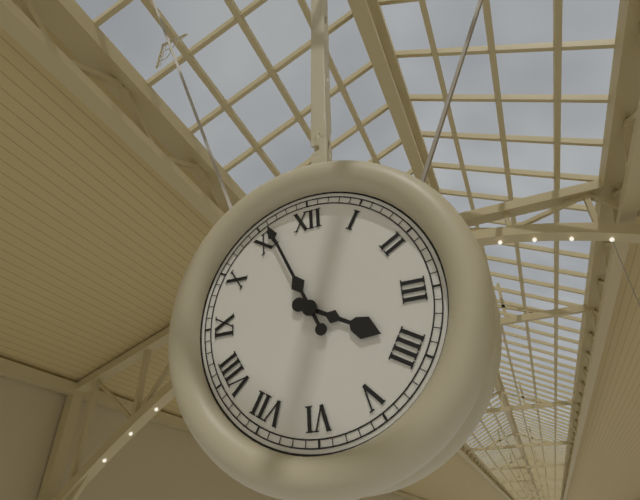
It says 3.56
